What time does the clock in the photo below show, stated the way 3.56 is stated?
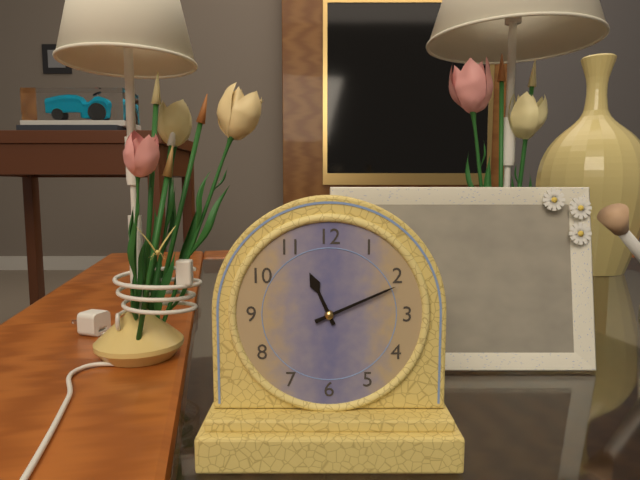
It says 11.11
